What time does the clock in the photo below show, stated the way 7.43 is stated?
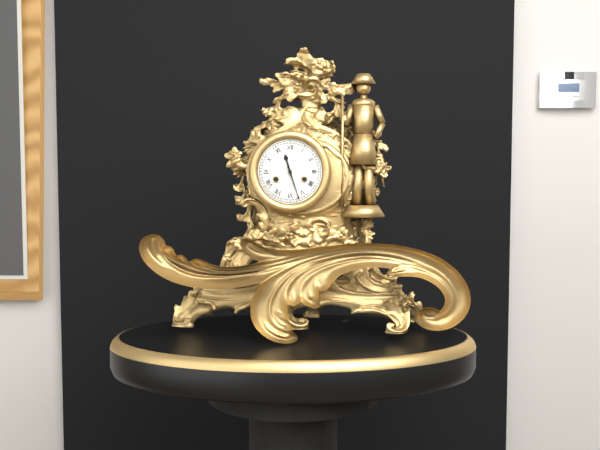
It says 11.27
